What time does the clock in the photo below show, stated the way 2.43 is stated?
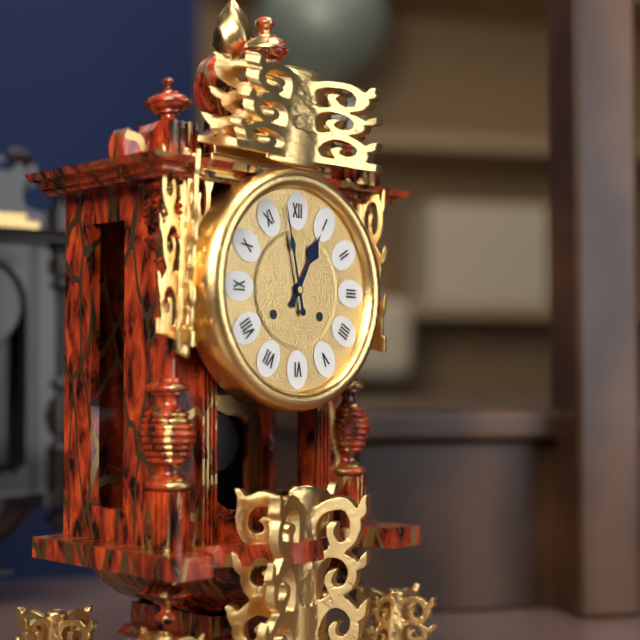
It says 12.58
